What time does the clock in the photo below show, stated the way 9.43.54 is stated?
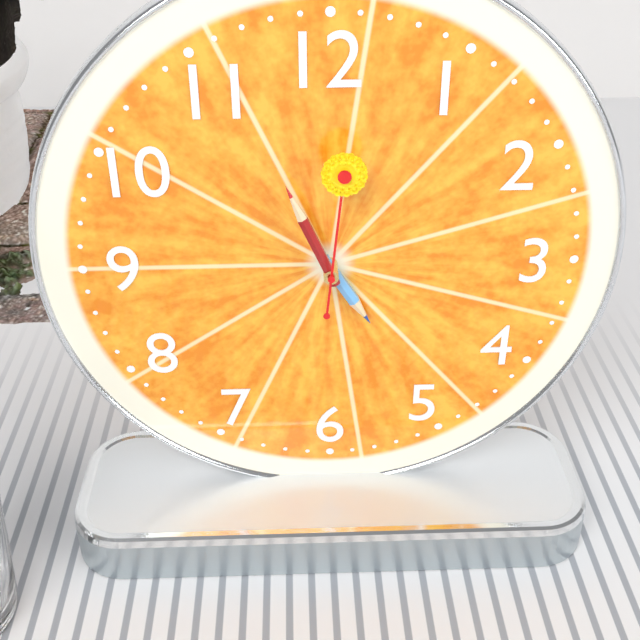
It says 4.56.01
